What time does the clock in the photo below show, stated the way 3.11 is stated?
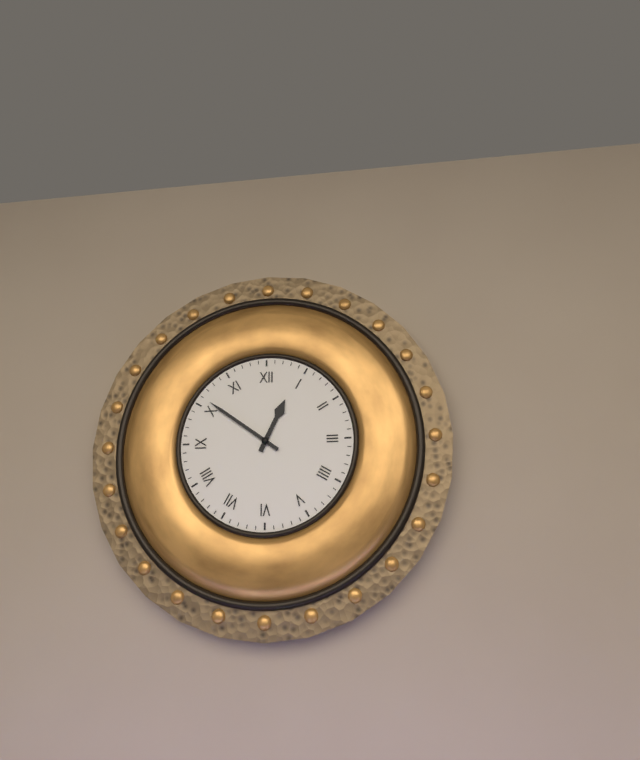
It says 12.51
